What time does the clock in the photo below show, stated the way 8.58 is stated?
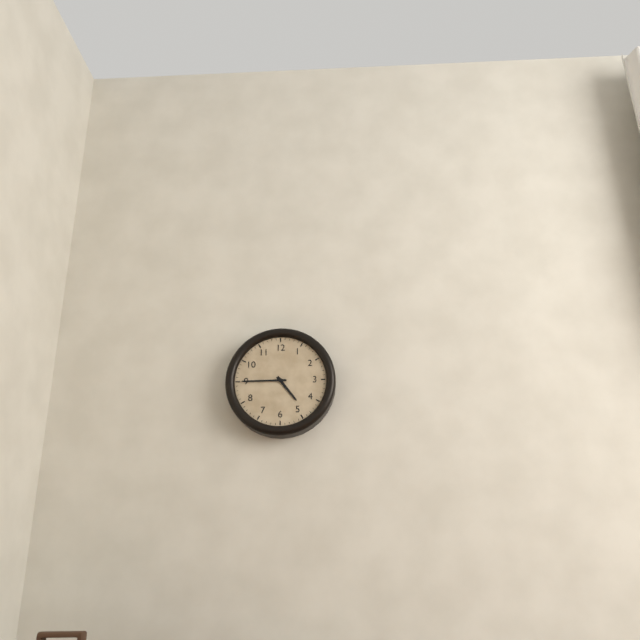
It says 4.45
